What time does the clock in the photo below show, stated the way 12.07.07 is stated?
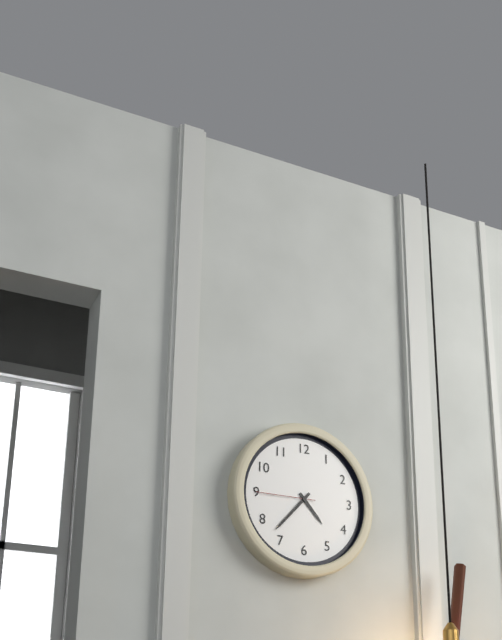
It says 4.37.45
